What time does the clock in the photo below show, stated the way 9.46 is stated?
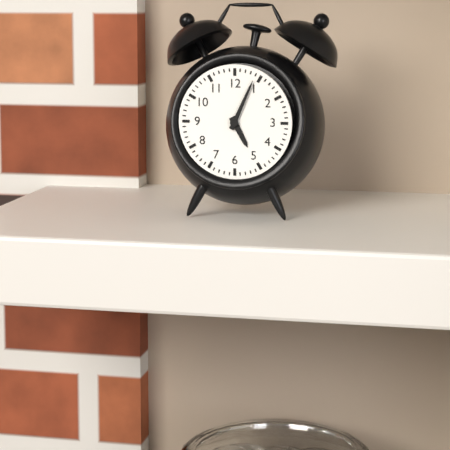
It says 5.04
